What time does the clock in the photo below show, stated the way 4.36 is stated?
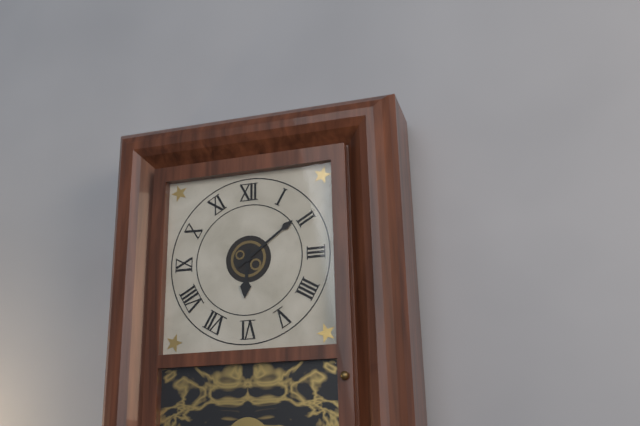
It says 6.09
